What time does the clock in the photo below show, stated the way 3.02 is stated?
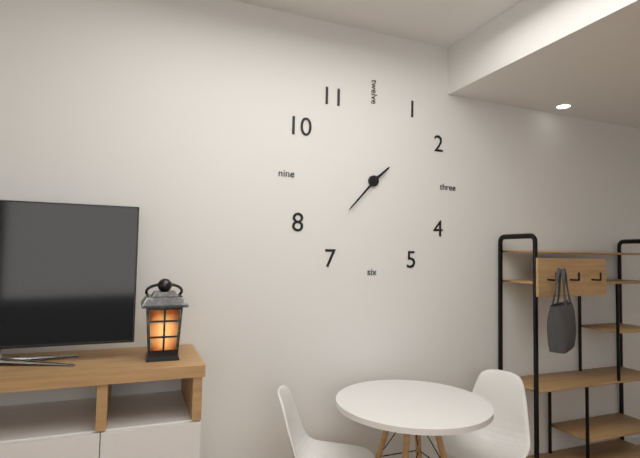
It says 1.37
